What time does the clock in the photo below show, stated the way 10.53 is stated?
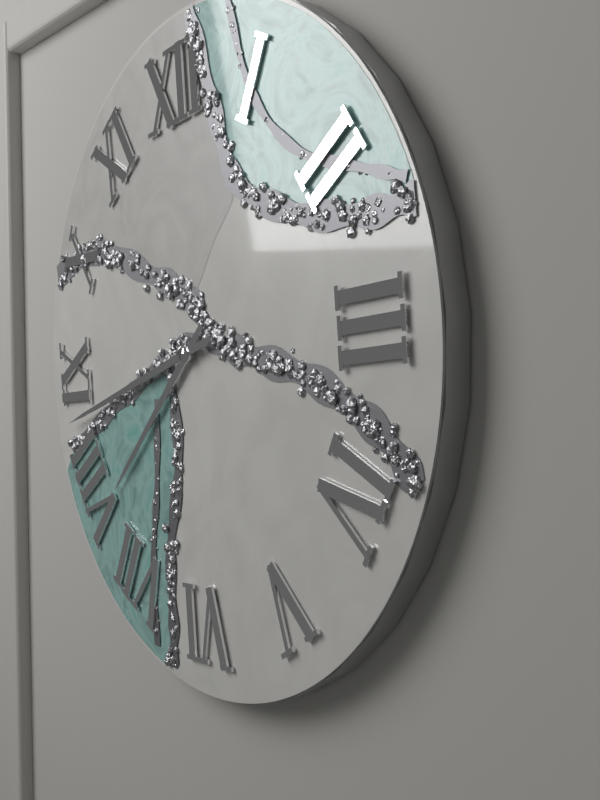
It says 7.43
